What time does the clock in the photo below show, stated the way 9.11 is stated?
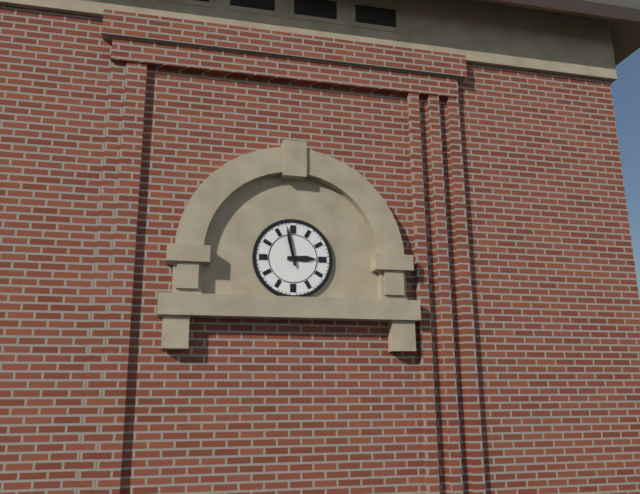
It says 2.58
